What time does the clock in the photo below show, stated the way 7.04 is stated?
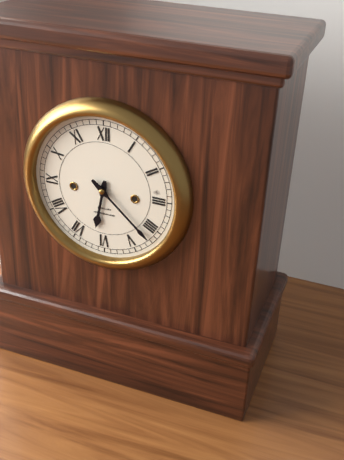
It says 6.22
